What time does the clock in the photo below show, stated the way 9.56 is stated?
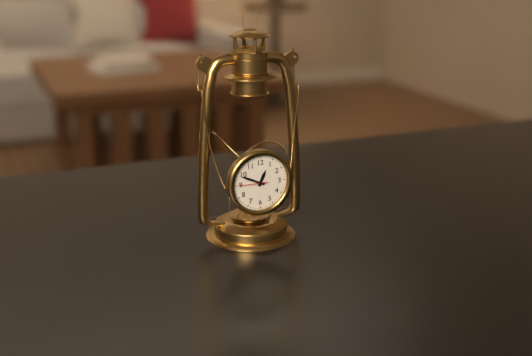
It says 12.49
